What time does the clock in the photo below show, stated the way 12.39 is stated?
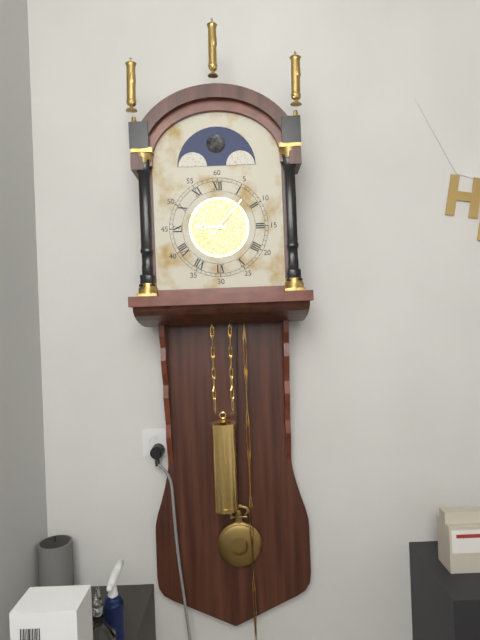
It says 9.07
